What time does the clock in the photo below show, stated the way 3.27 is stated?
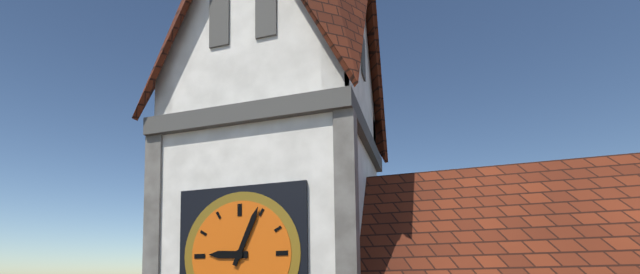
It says 9.04
